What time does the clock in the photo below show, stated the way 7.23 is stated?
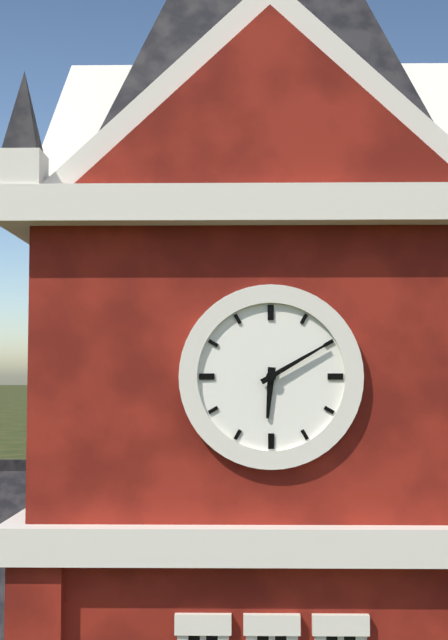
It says 6.10
